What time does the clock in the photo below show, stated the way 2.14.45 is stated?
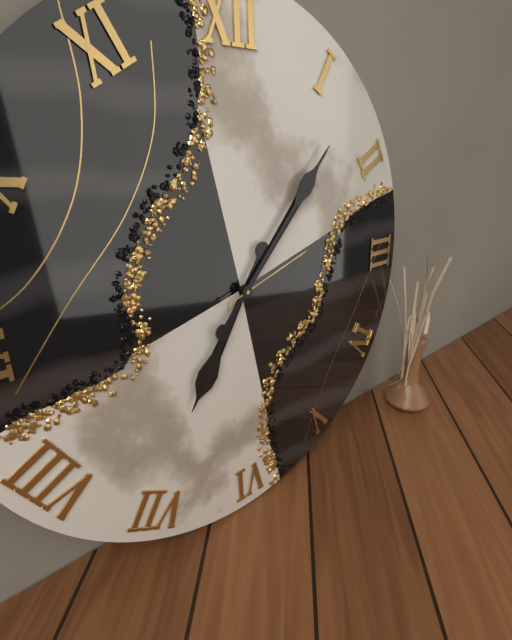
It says 7.07.12
